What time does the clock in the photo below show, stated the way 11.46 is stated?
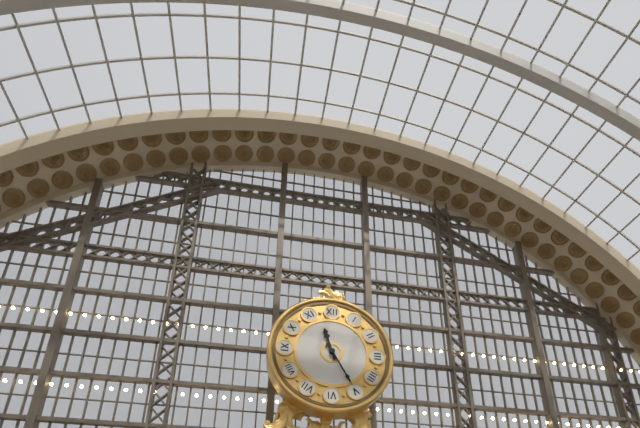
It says 11.25
